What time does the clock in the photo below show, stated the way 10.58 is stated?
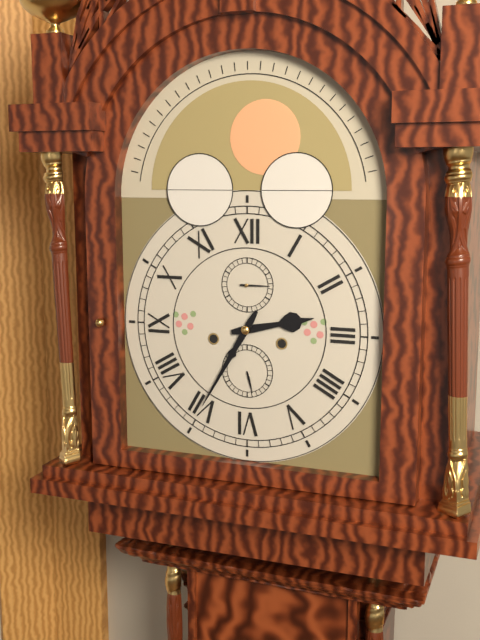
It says 2.35
